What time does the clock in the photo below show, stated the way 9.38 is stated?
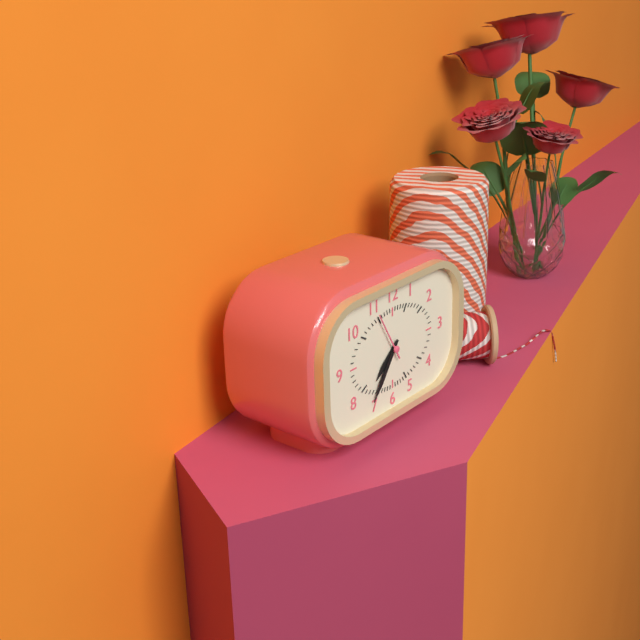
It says 7.36
